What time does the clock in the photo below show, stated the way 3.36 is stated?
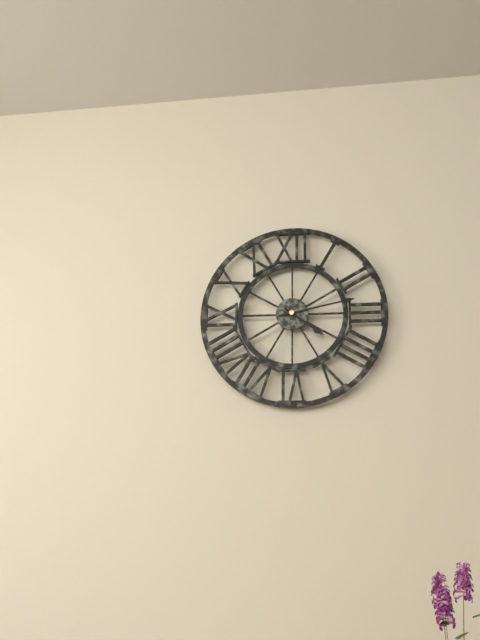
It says 4.13
